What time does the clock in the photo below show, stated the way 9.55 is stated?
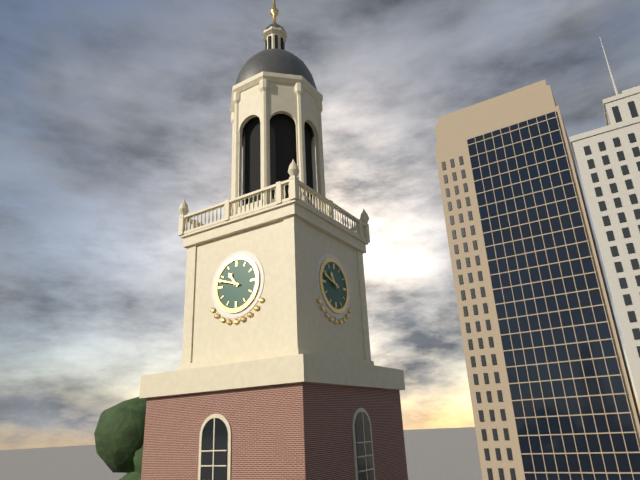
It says 10.48
